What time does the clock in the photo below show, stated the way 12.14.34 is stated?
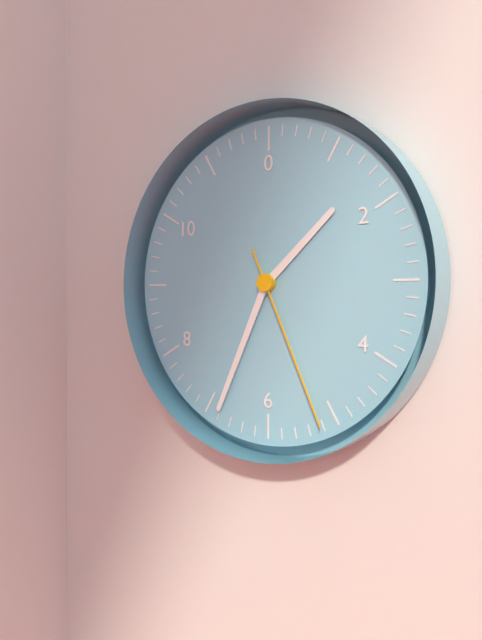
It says 1.34.26
